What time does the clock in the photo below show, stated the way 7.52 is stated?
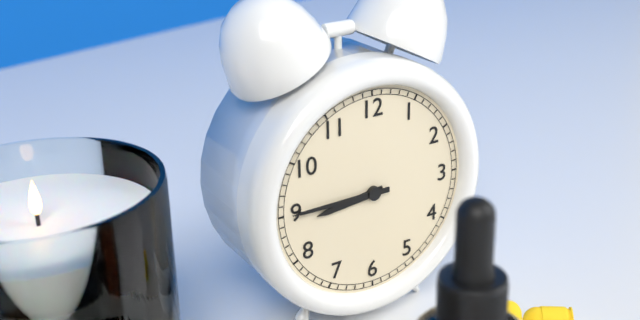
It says 8.45
